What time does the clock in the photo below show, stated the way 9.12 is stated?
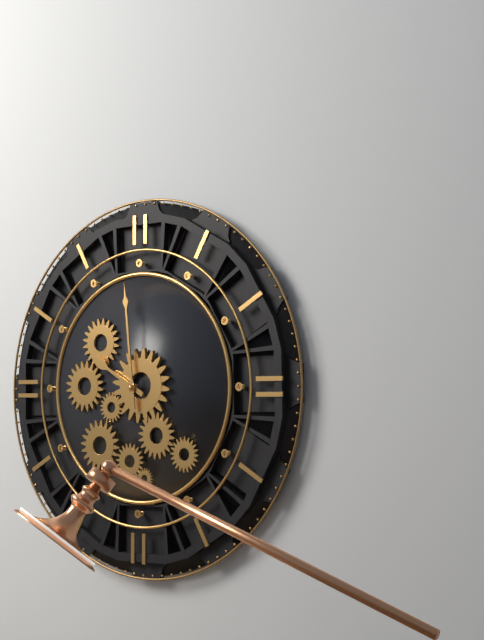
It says 9.59
